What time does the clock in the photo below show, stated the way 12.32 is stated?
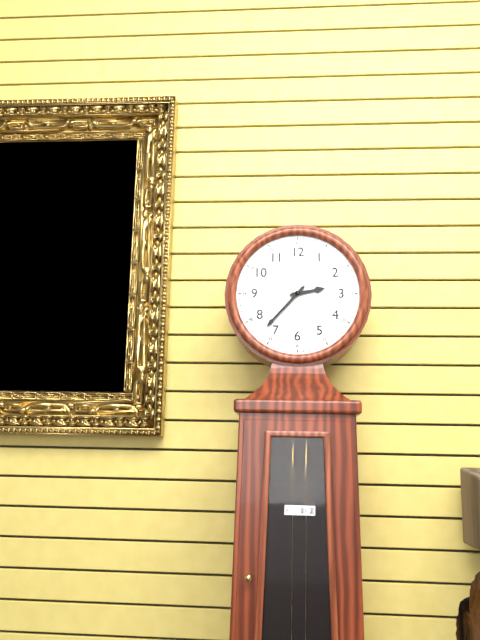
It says 2.37
